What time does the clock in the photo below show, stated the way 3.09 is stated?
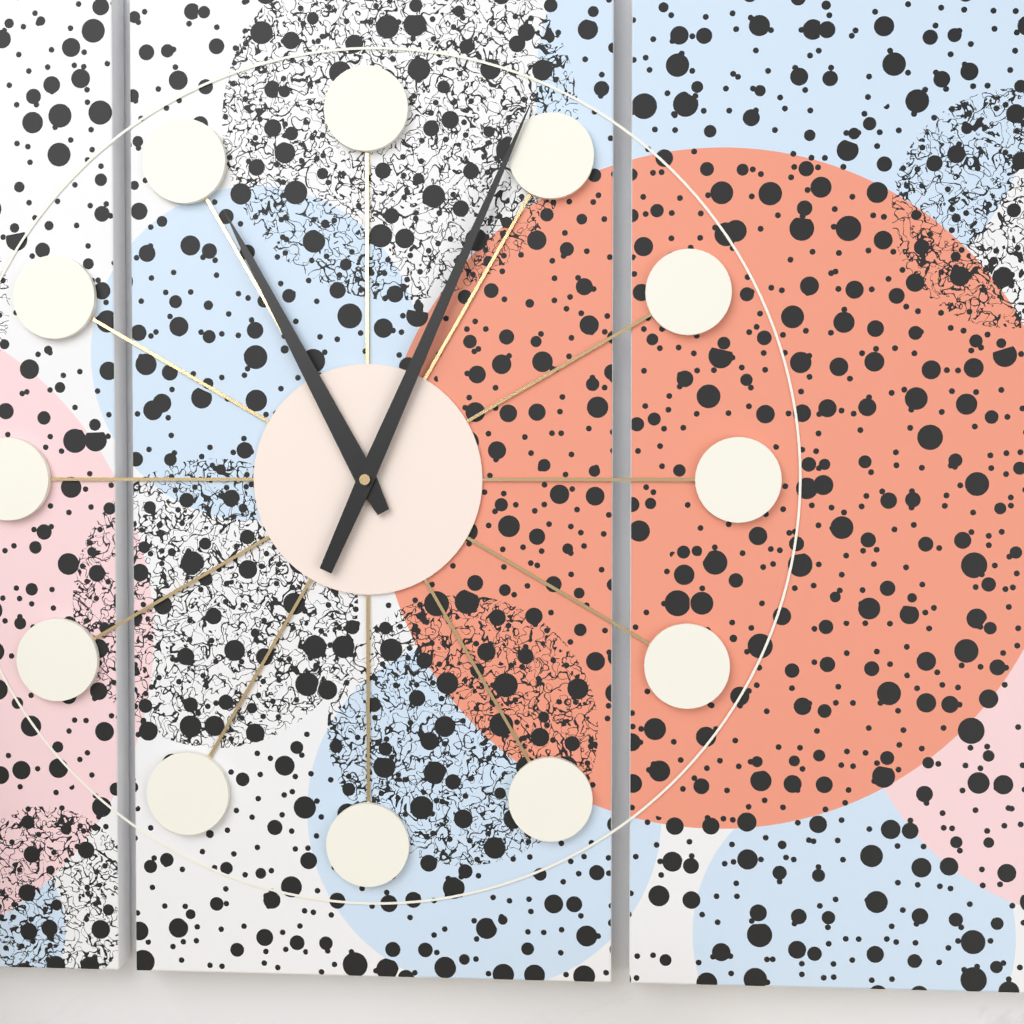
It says 11.04
